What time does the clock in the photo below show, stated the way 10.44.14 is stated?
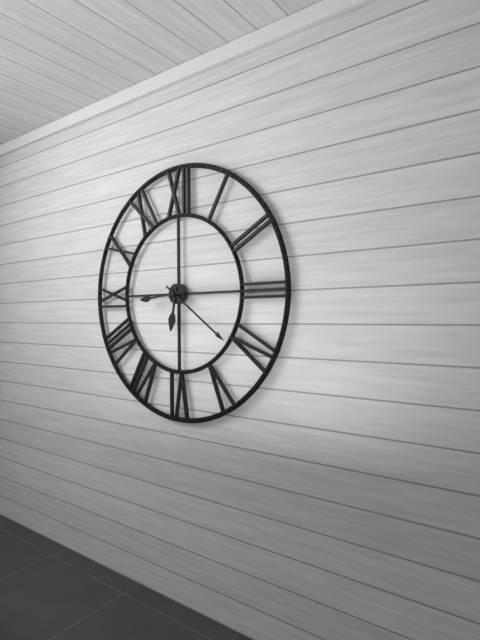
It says 6.21.44
